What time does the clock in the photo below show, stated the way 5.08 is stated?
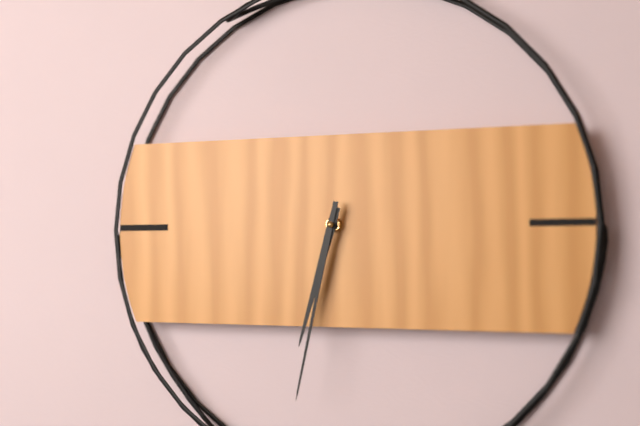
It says 6.32
